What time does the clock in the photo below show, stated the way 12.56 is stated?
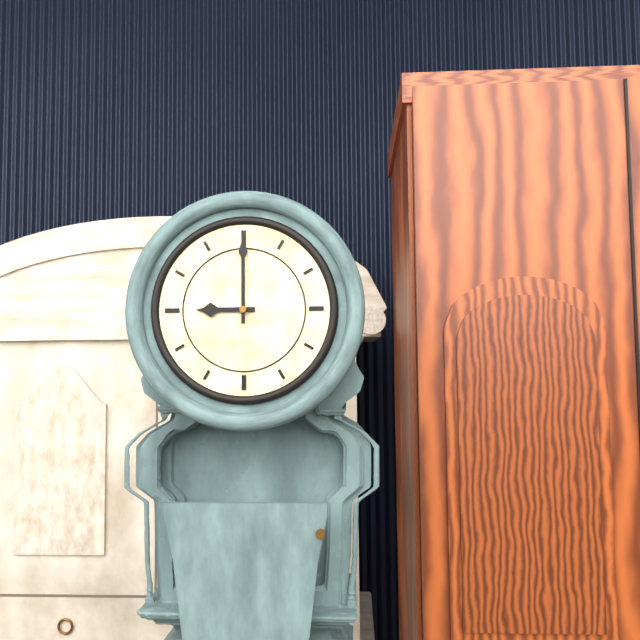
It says 9.00
